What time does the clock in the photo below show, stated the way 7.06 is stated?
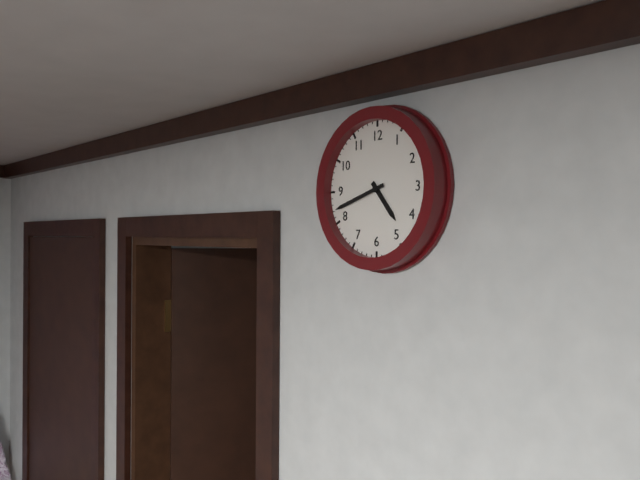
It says 4.42
